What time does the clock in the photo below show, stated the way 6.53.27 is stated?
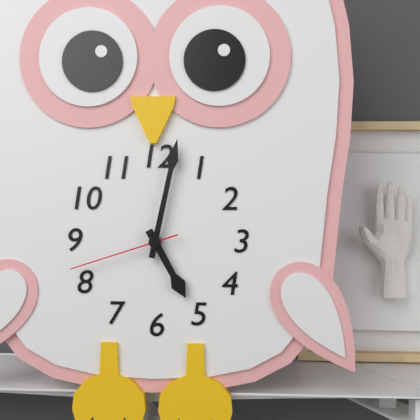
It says 5.02.42
